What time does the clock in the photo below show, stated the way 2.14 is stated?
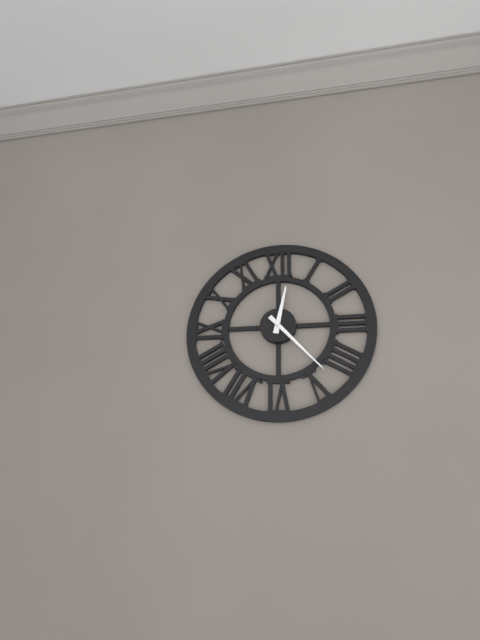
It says 12.23
